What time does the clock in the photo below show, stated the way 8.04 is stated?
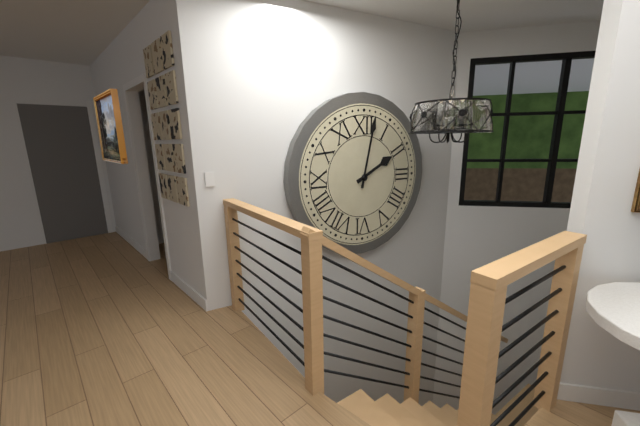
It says 2.02
